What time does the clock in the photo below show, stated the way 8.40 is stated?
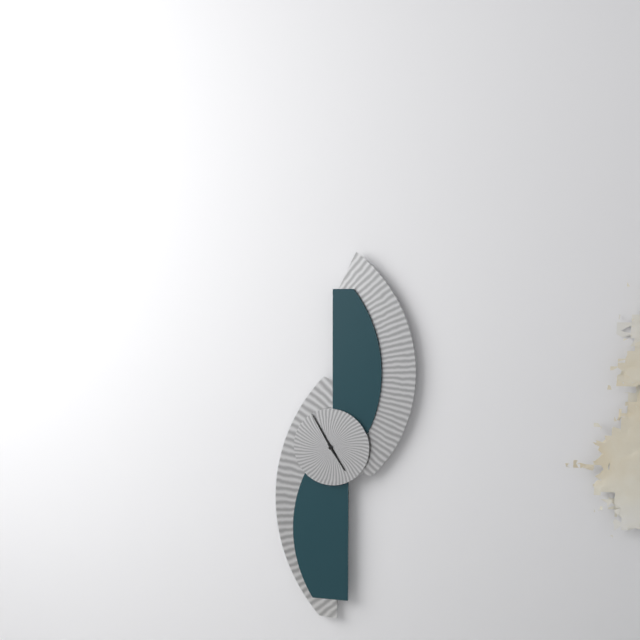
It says 4.55
